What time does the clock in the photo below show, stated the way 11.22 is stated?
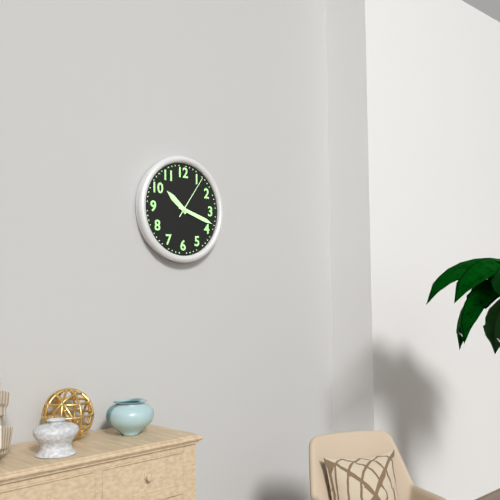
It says 10.18
